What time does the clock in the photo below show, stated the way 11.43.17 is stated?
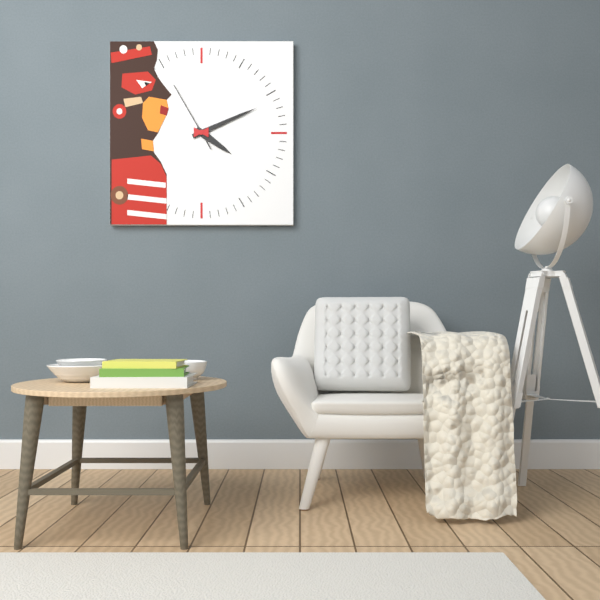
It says 4.11.55
